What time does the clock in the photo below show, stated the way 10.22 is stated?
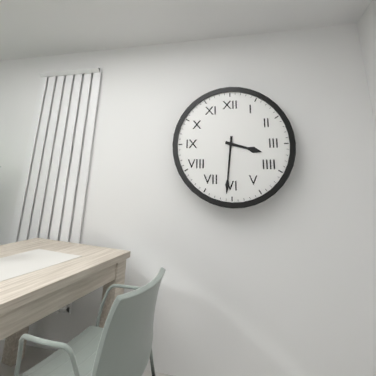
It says 3.31
